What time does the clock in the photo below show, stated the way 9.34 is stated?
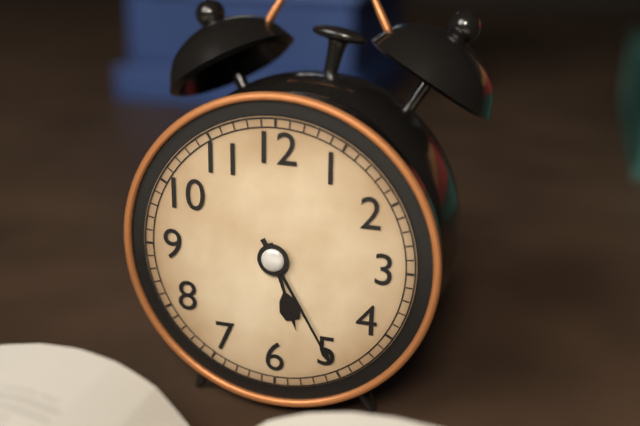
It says 5.25
